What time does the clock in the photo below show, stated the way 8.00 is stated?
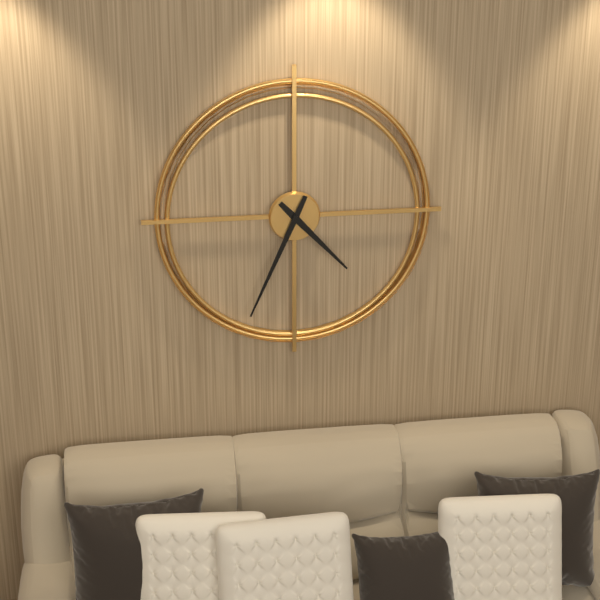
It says 4.34
